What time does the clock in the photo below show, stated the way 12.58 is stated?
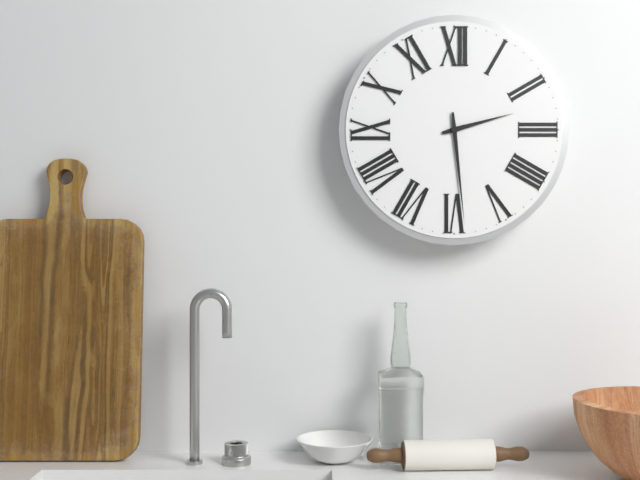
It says 2.29
